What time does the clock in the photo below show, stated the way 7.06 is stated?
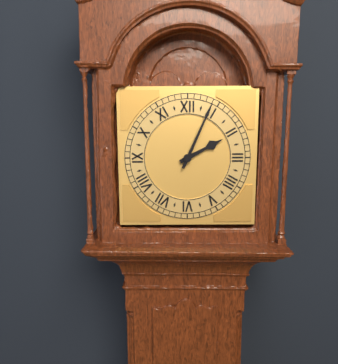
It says 2.04
